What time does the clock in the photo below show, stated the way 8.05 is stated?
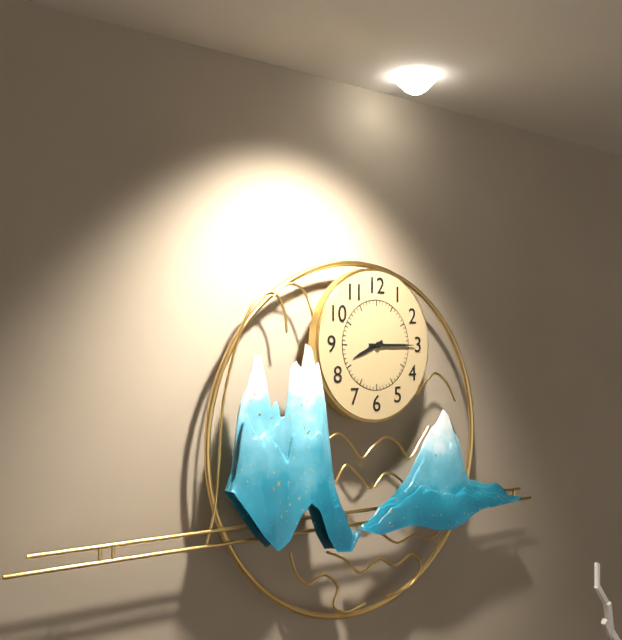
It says 8.15
